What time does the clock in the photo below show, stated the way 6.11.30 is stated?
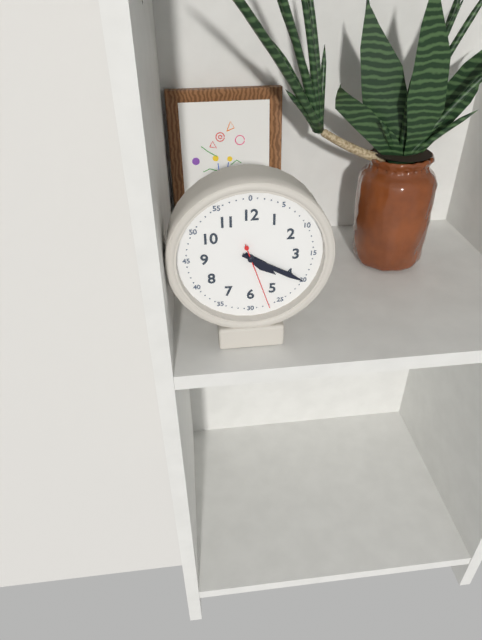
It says 4.20.27
